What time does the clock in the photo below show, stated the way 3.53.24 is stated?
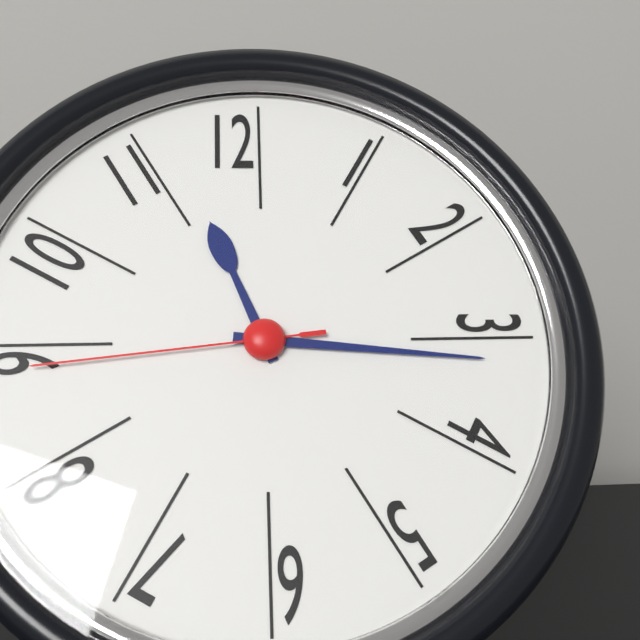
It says 11.16.44
